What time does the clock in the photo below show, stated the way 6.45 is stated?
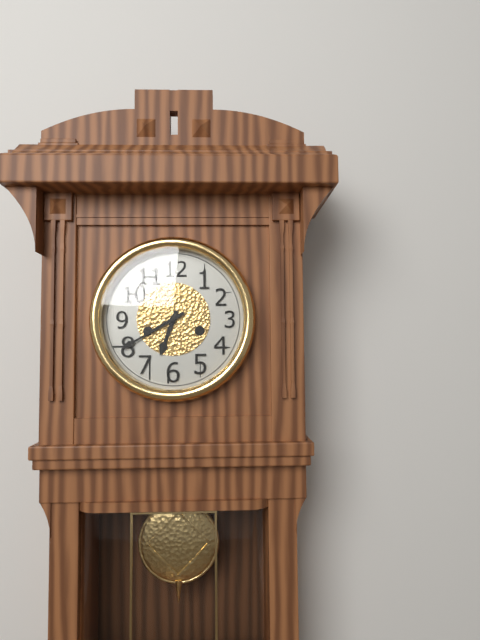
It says 6.40
